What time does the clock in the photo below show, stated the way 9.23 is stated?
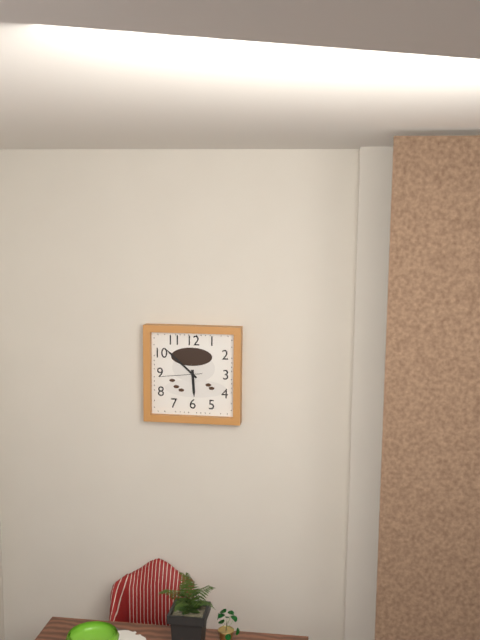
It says 5.52
